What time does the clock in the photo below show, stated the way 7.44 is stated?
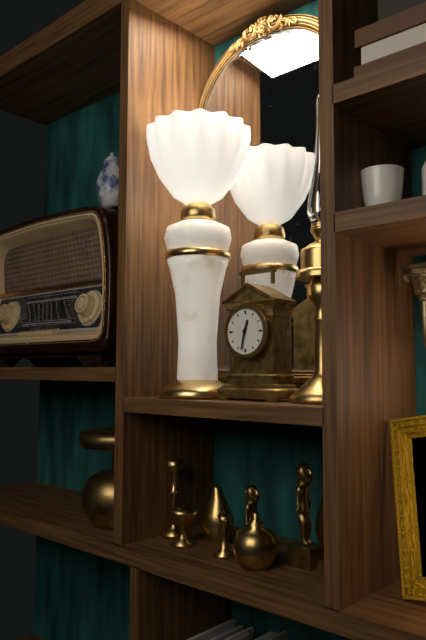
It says 12.32
